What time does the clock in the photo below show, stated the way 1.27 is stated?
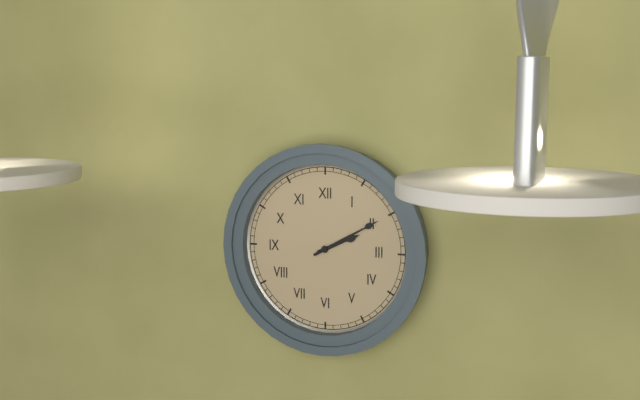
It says 2.10
